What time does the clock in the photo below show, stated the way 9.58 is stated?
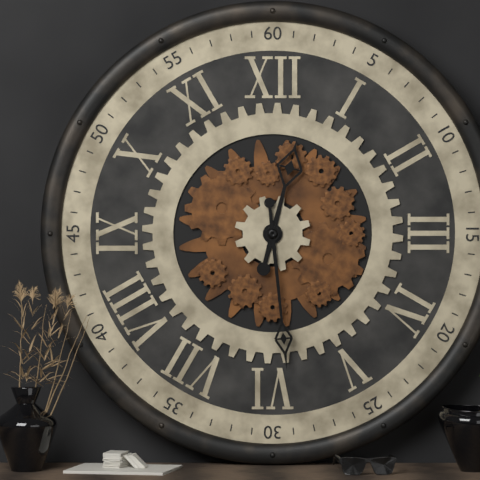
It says 12.29
